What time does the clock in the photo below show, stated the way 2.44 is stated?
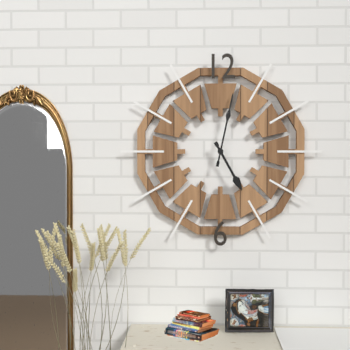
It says 5.02
